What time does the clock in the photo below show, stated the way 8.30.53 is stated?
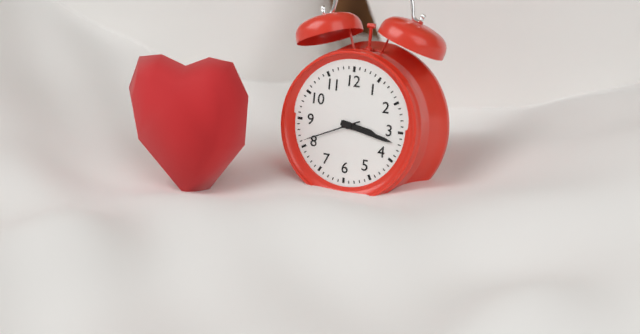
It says 3.17.41
